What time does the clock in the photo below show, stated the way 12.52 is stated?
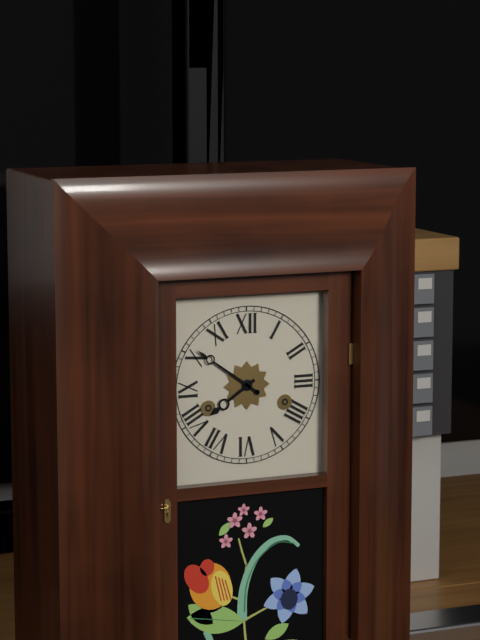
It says 7.51
